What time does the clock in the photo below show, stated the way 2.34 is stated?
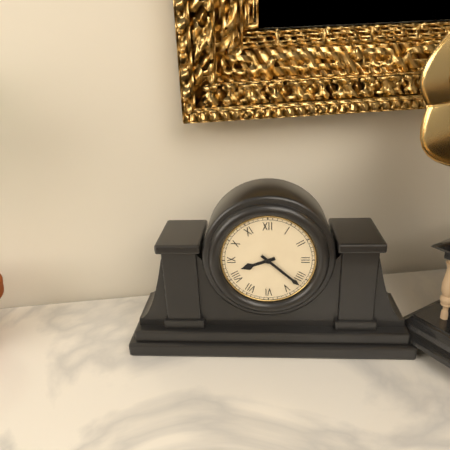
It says 8.22
